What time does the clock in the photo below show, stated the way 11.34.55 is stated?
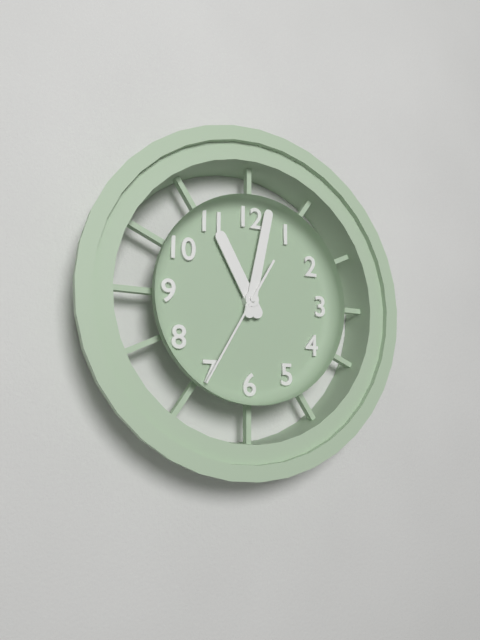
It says 11.02.35
